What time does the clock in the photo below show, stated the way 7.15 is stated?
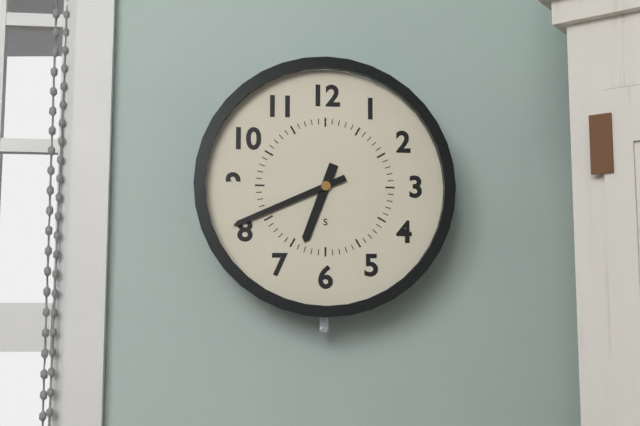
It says 6.41
